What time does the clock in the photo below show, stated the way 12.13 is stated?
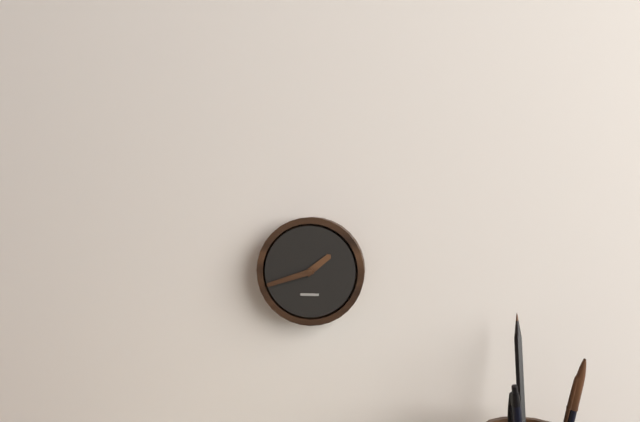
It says 1.42
